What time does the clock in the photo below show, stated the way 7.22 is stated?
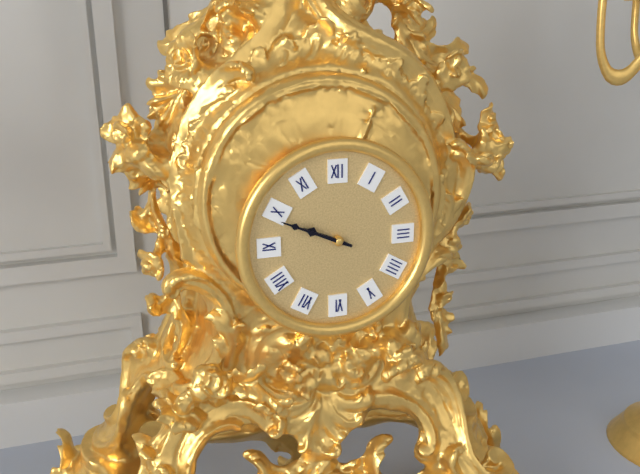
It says 9.49
